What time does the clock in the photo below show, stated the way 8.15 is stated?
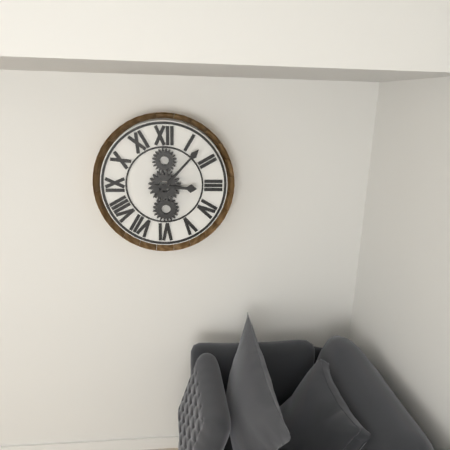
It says 3.07
